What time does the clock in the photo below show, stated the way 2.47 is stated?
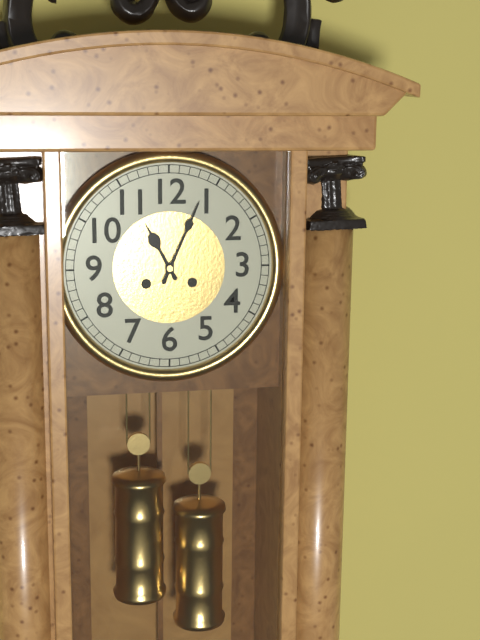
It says 11.04
